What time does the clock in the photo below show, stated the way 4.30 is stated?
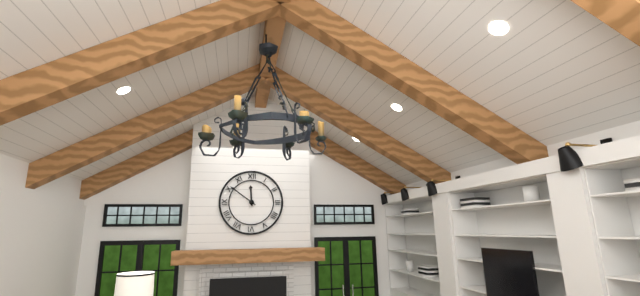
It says 11.51
